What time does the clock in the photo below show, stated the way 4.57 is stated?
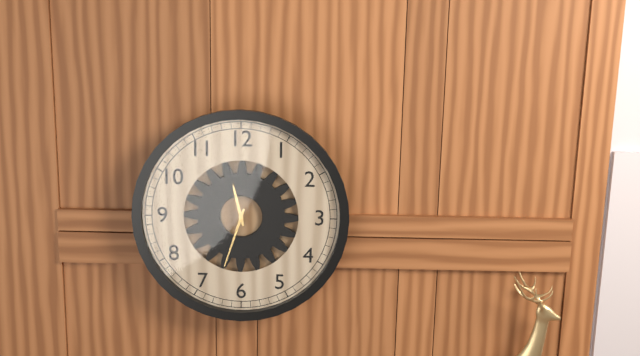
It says 11.33
